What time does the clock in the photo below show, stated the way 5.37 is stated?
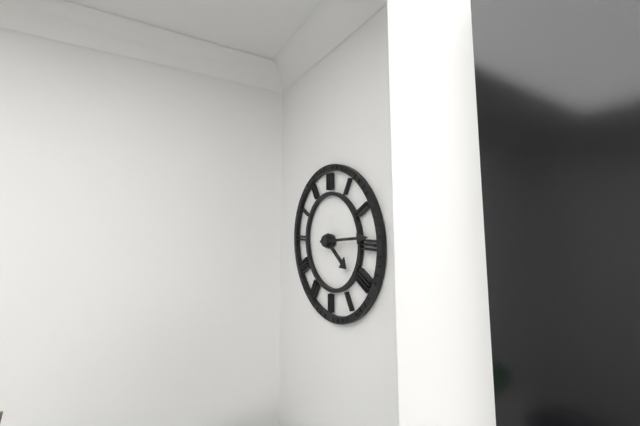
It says 4.14
